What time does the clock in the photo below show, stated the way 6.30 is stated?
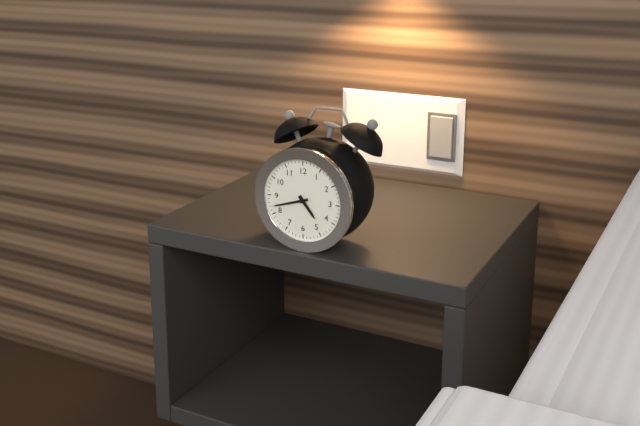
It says 4.42
